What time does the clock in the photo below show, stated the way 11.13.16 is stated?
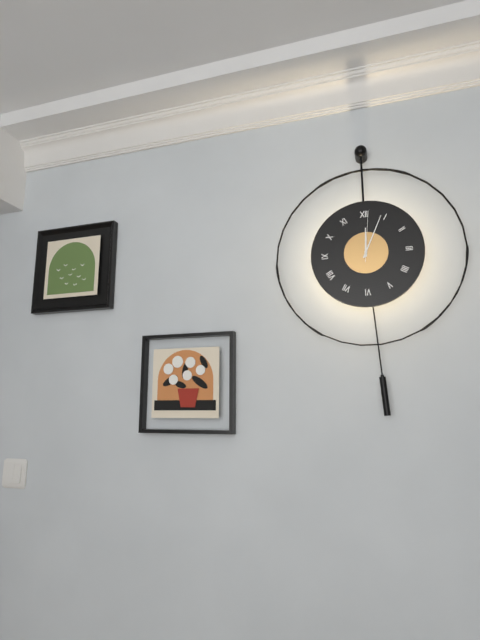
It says 12.04.01
